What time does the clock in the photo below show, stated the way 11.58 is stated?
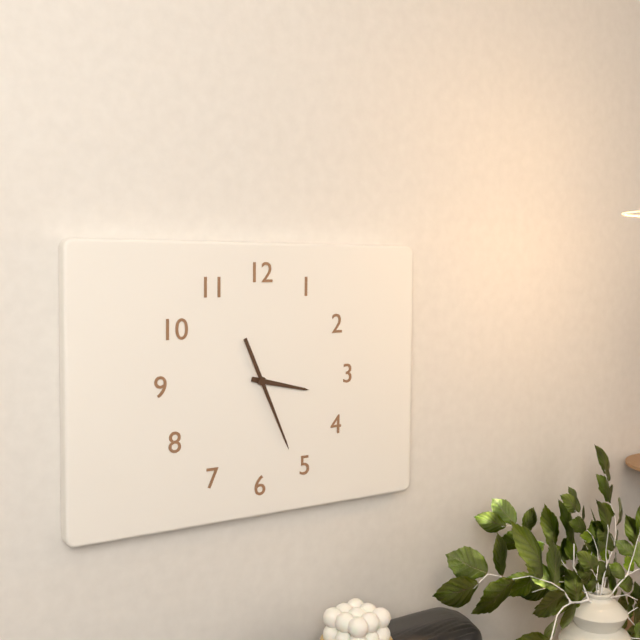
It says 3.26
